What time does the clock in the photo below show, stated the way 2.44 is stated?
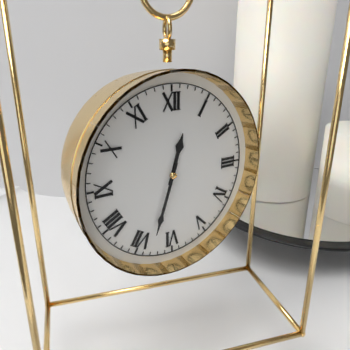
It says 12.33
